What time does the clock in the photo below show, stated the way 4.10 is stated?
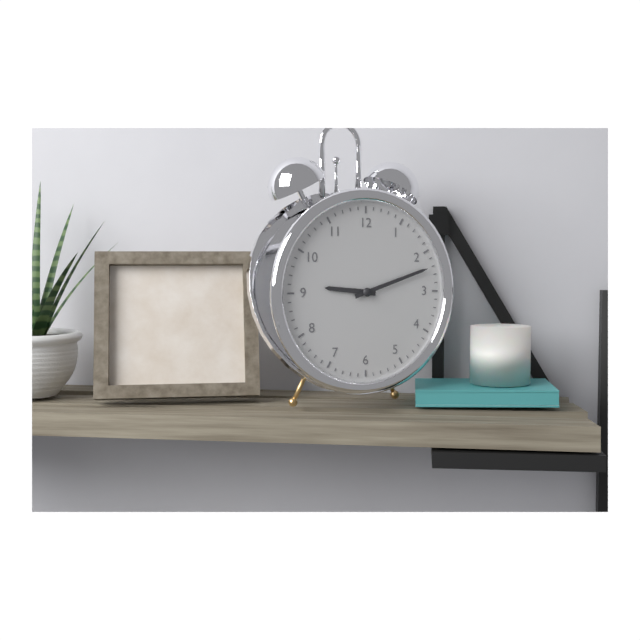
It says 9.12
